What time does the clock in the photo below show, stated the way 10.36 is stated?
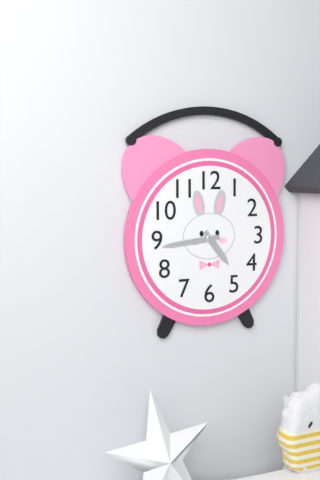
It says 4.44
